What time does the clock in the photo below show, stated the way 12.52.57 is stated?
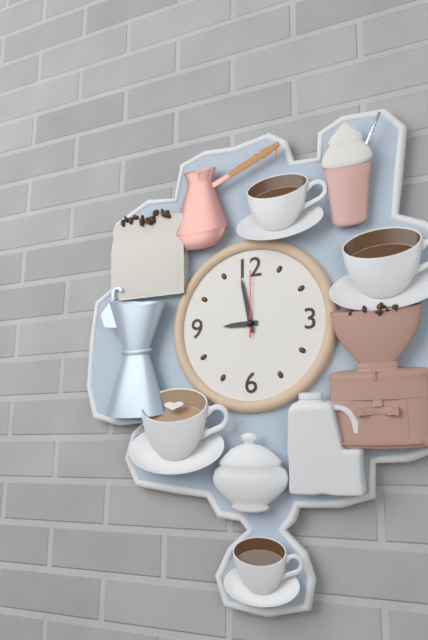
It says 8.58.00
